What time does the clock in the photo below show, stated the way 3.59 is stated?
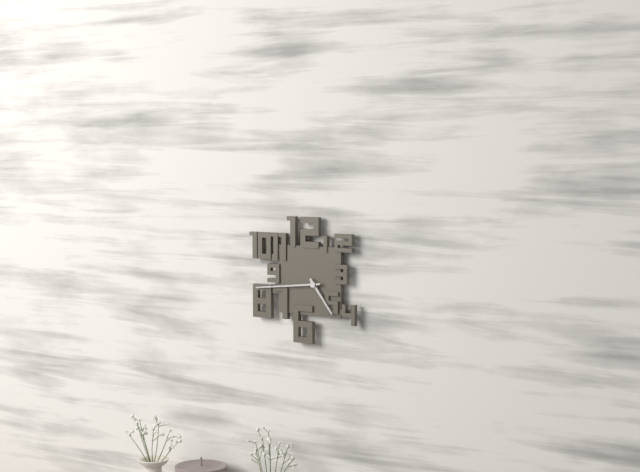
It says 4.44
